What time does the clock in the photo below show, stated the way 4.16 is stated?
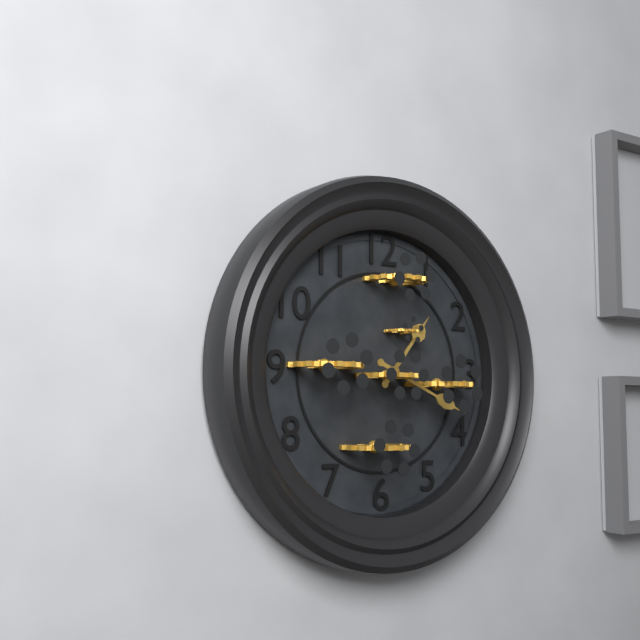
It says 1.19
